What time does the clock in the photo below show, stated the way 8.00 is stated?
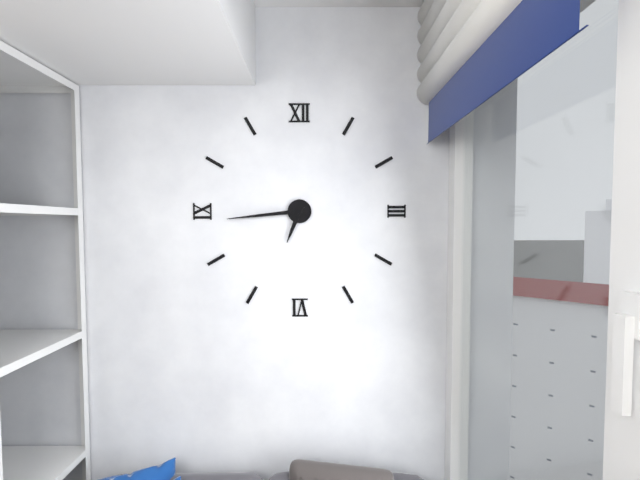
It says 6.44
